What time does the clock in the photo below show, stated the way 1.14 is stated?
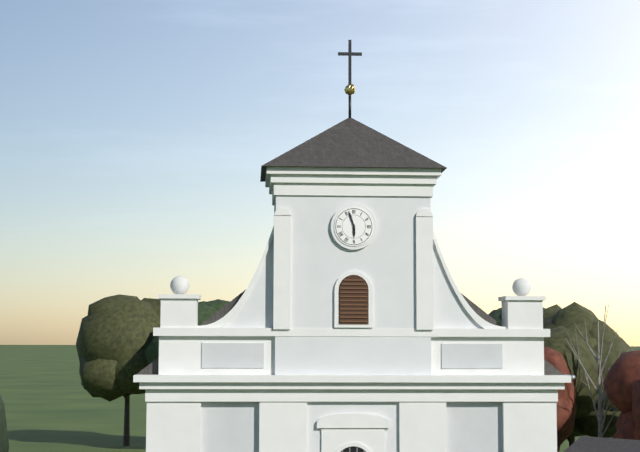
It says 5.57
